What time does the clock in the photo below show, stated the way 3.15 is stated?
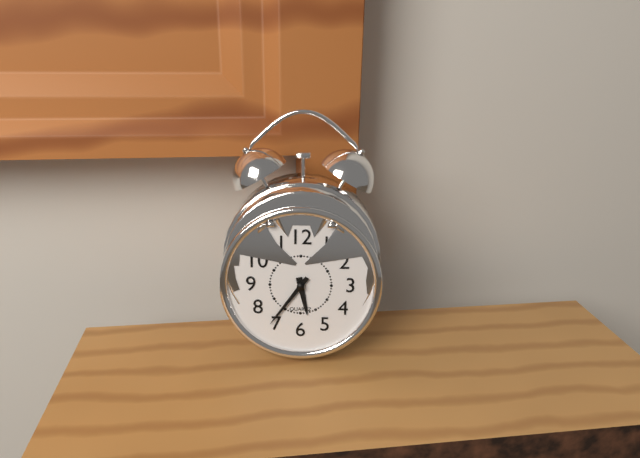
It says 5.36
